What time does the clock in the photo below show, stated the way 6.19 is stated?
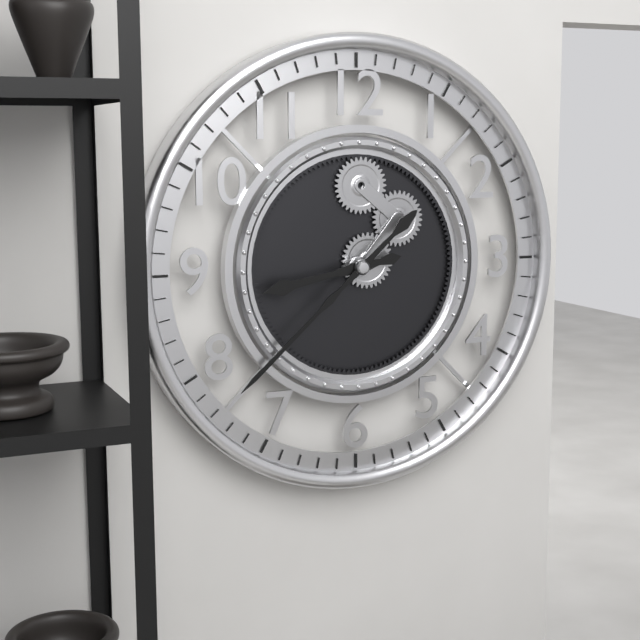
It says 8.38
